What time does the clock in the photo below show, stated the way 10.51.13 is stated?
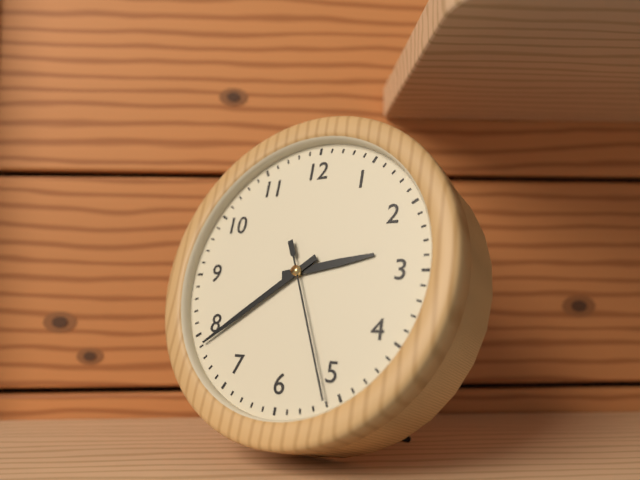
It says 2.39.26
